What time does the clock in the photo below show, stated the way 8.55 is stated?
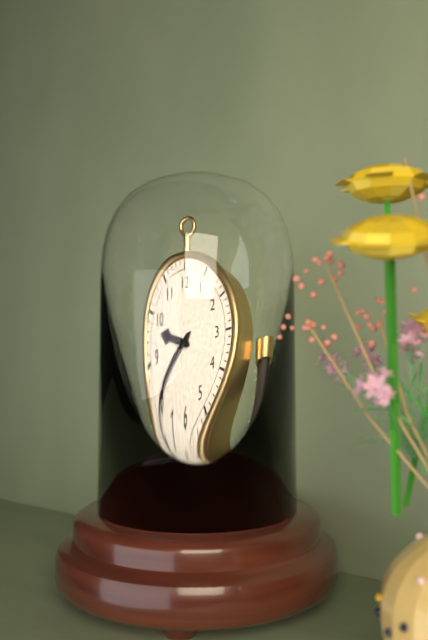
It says 9.40
